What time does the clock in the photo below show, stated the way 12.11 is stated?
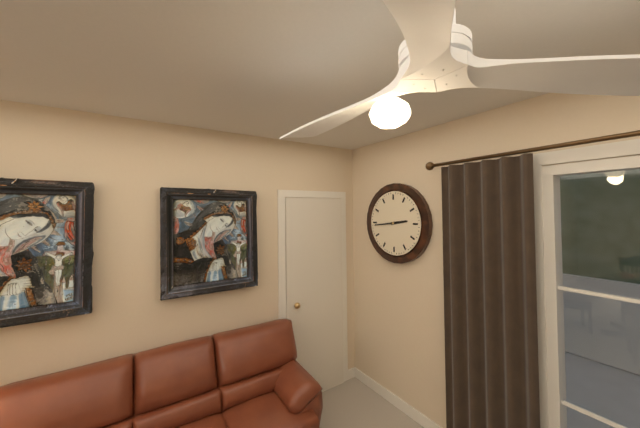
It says 2.44
